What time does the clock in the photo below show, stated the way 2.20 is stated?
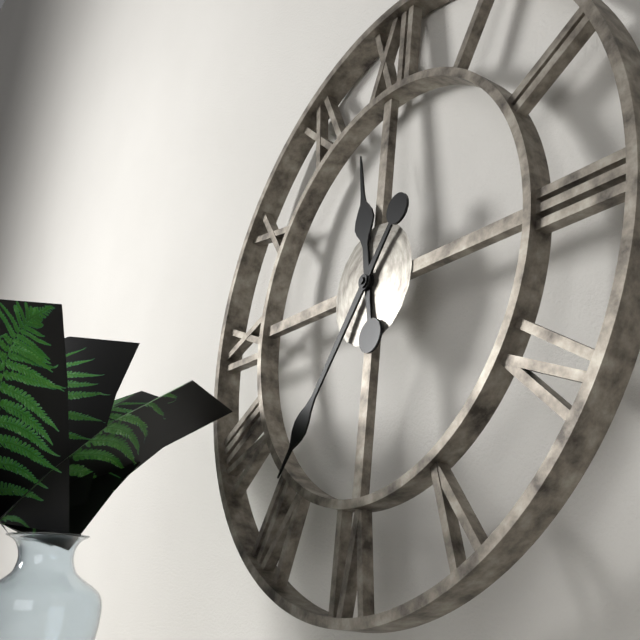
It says 11.36
